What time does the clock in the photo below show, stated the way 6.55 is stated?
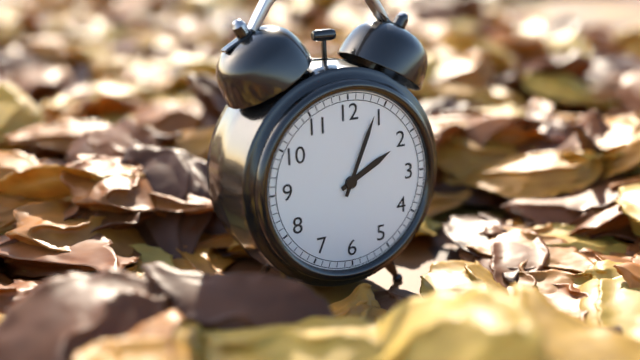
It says 2.04
